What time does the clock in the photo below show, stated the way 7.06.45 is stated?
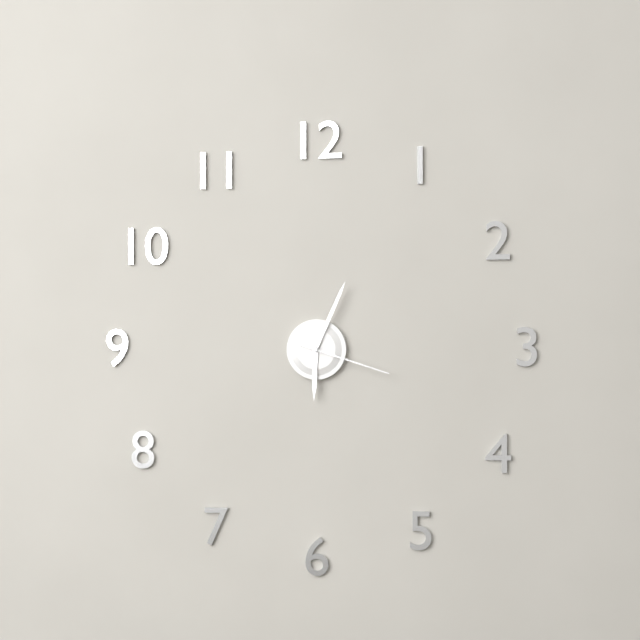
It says 6.04.18
